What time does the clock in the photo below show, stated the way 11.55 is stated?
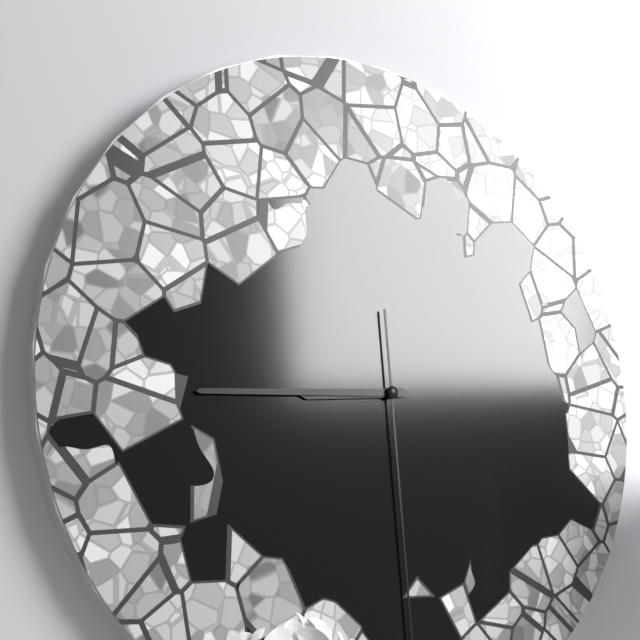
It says 8.44
